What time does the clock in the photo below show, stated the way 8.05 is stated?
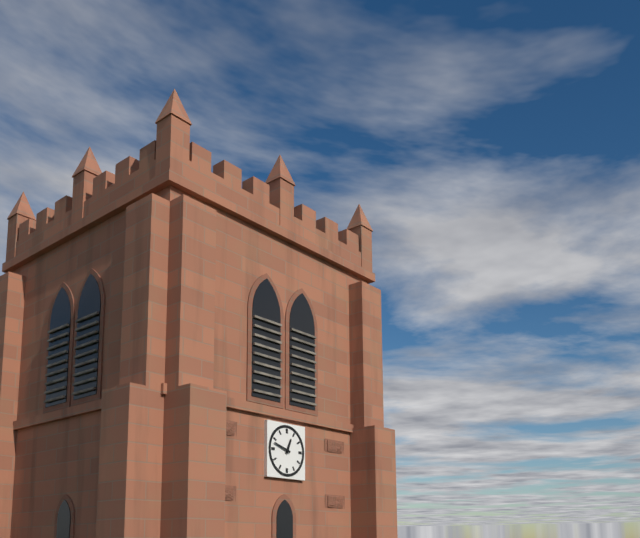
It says 12.48
